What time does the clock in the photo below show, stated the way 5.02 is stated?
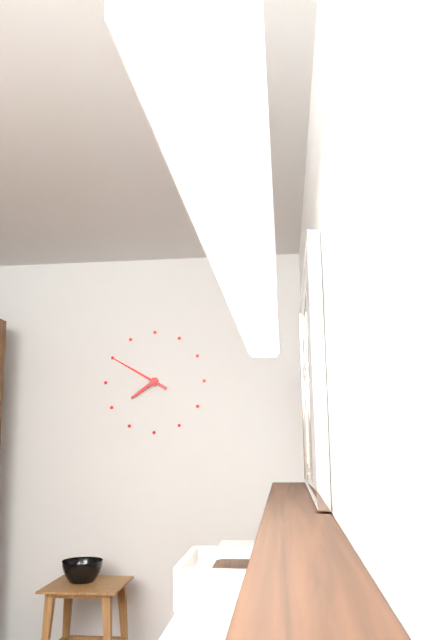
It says 7.50
